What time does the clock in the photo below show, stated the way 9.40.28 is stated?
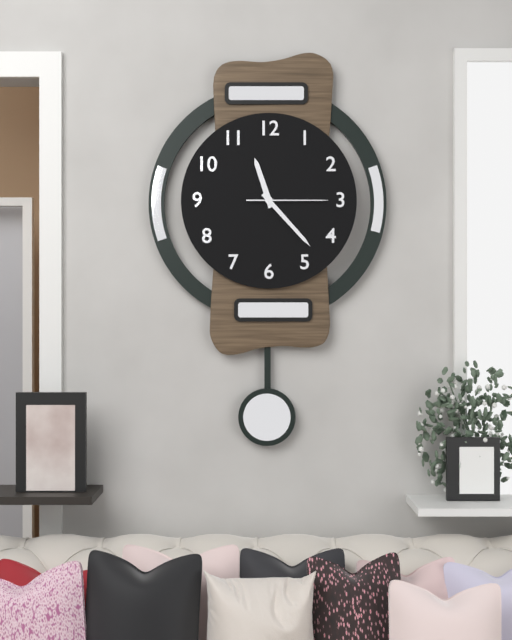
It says 11.23.15
